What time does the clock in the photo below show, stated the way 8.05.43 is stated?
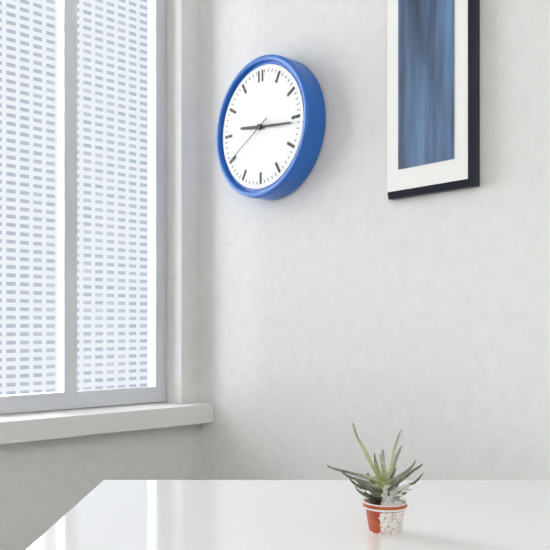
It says 9.16.40
